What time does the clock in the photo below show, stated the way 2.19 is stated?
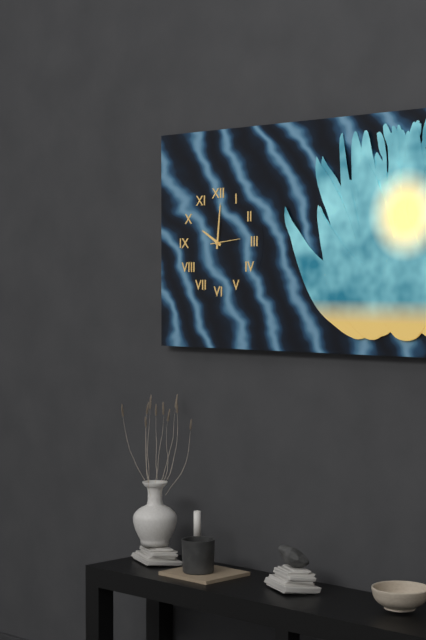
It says 10.01
